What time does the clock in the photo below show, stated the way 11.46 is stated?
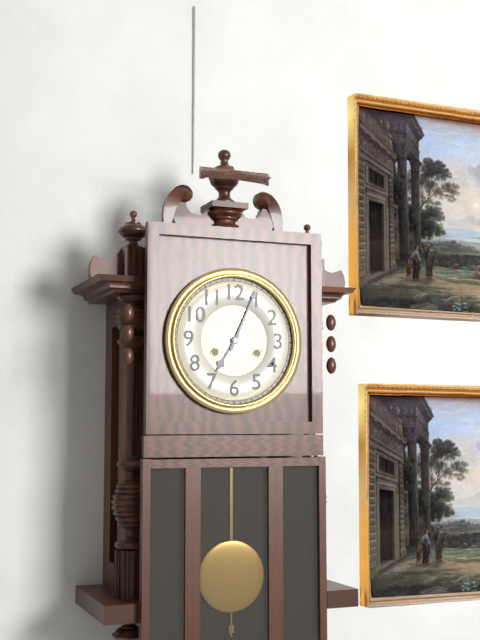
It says 7.04
